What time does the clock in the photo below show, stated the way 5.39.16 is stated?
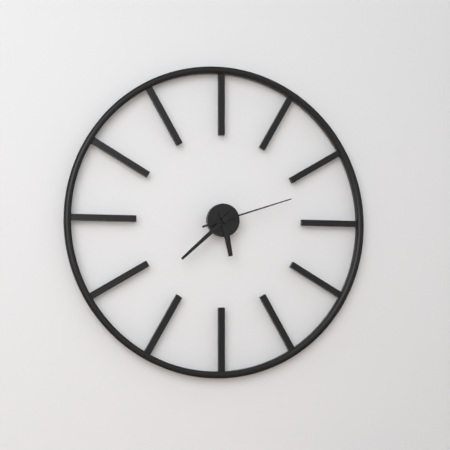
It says 5.38.12
